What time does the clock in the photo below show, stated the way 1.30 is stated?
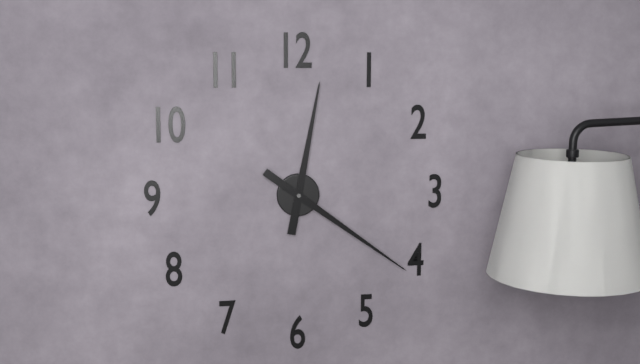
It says 12.21
